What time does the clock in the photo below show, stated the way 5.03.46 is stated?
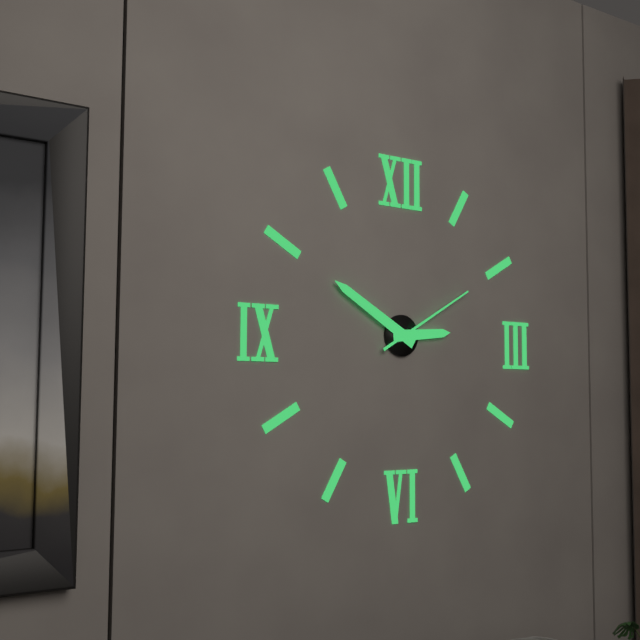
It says 2.50.10
